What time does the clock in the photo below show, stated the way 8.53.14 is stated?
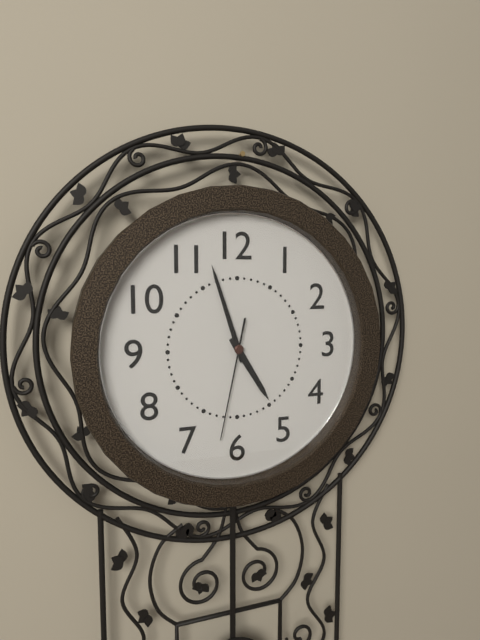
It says 4.57.32
